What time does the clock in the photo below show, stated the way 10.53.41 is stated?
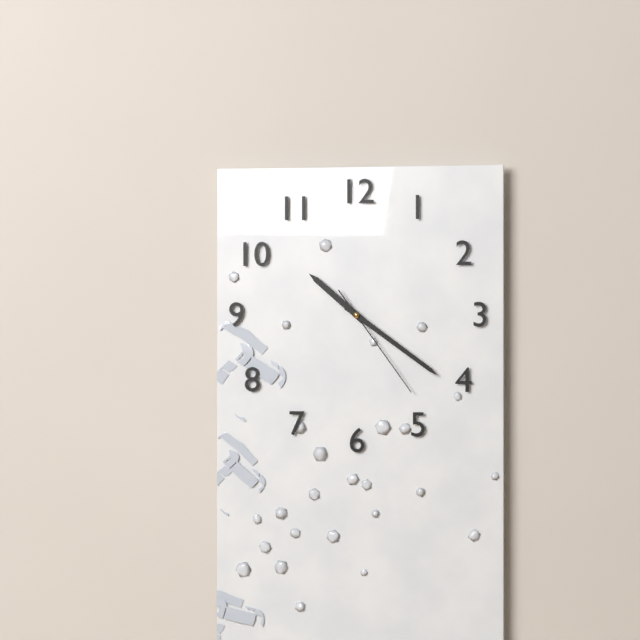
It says 10.21.24
